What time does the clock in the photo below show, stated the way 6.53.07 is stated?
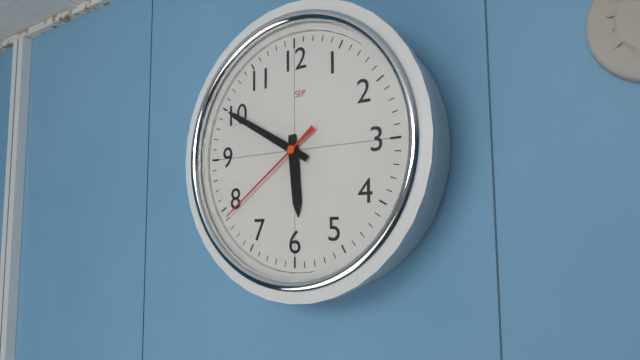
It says 5.50.39
